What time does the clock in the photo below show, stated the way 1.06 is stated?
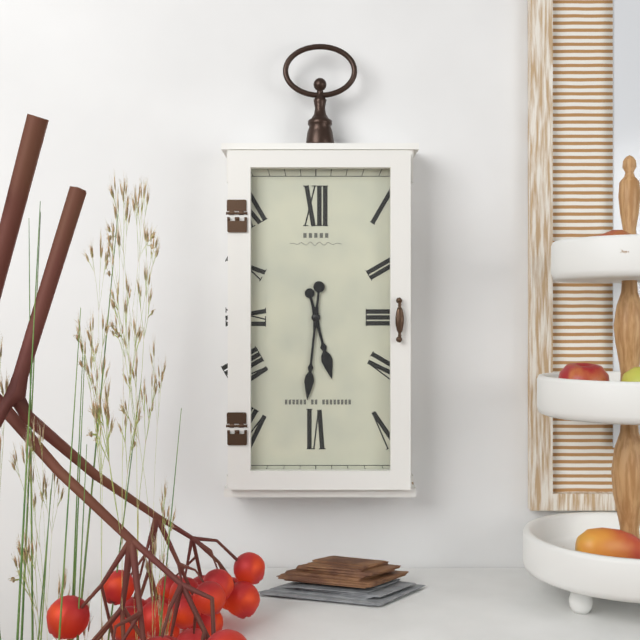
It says 5.31
